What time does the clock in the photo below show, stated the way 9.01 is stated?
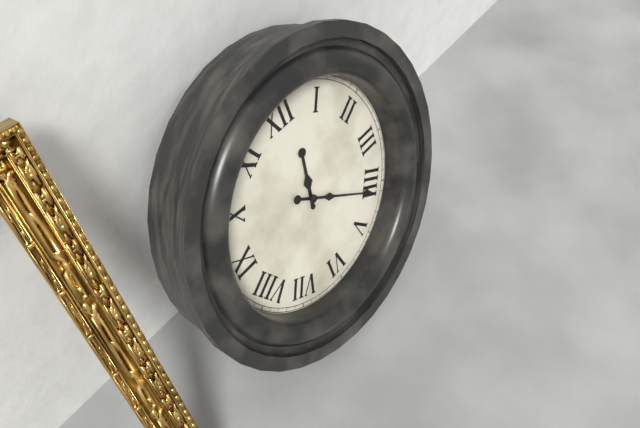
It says 12.21
